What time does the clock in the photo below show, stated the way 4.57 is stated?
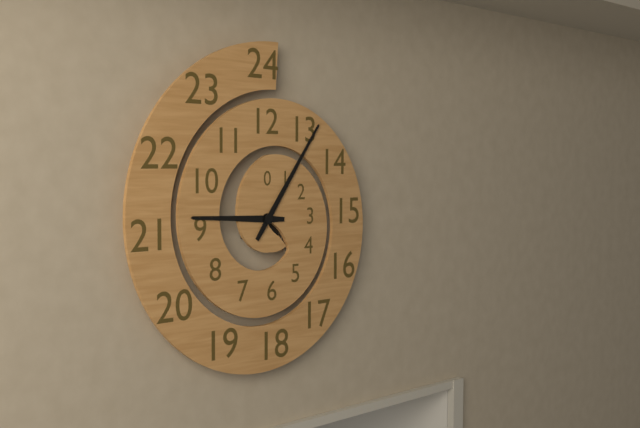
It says 9.06
